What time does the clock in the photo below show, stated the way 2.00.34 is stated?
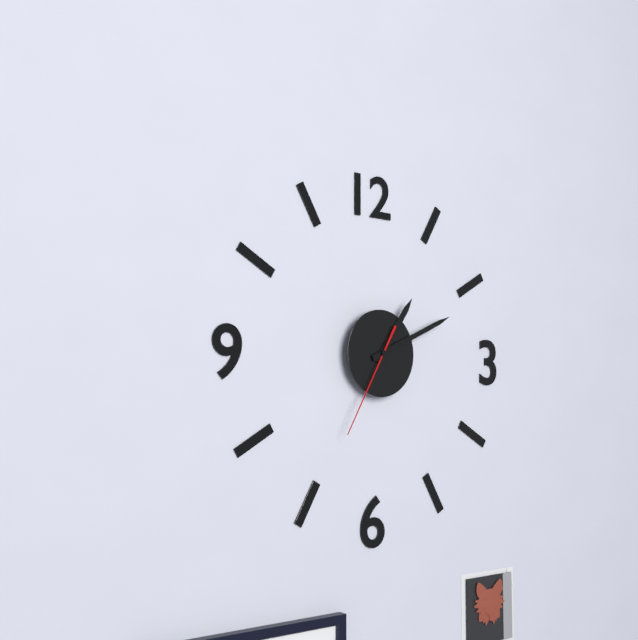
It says 1.11.35
